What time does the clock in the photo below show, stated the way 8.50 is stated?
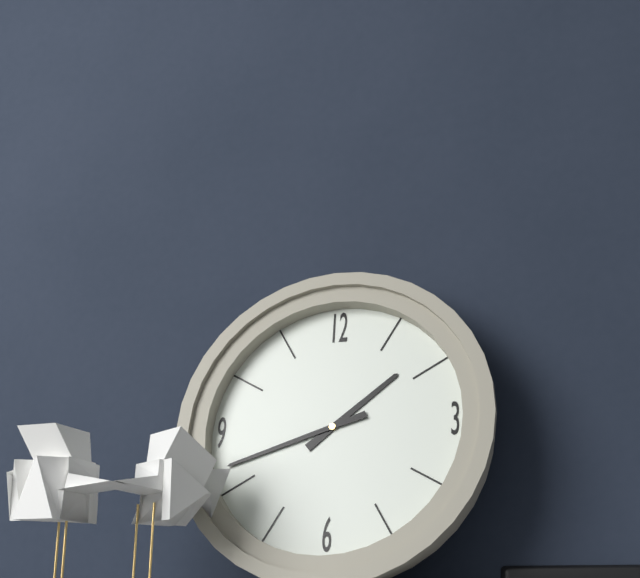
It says 1.42
